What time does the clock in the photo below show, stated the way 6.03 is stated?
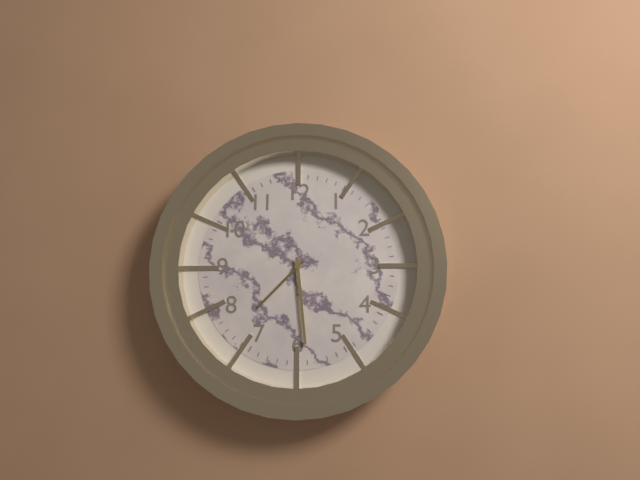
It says 7.29
